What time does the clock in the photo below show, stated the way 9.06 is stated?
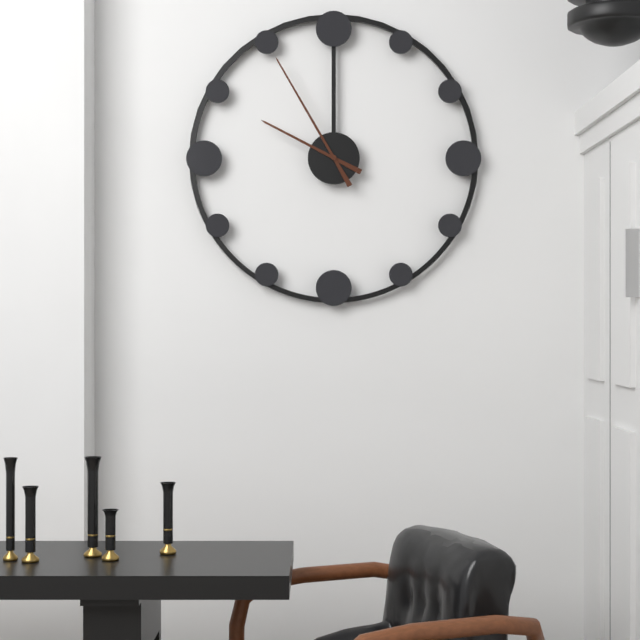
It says 9.55
